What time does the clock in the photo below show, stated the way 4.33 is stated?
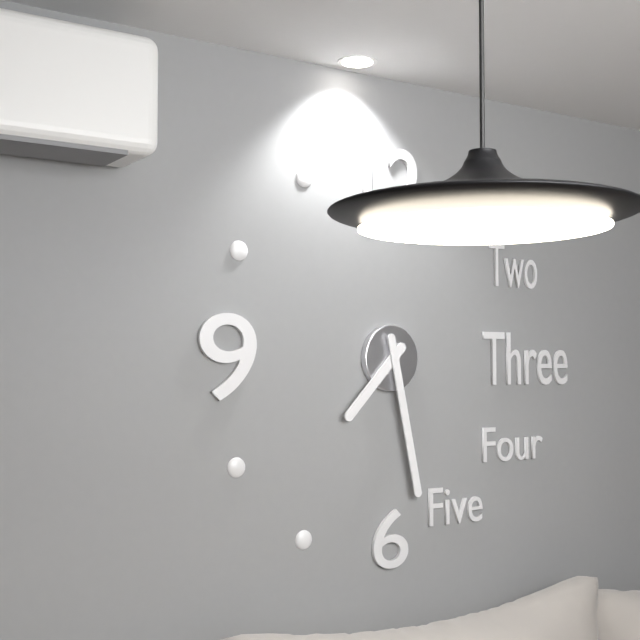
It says 7.28
